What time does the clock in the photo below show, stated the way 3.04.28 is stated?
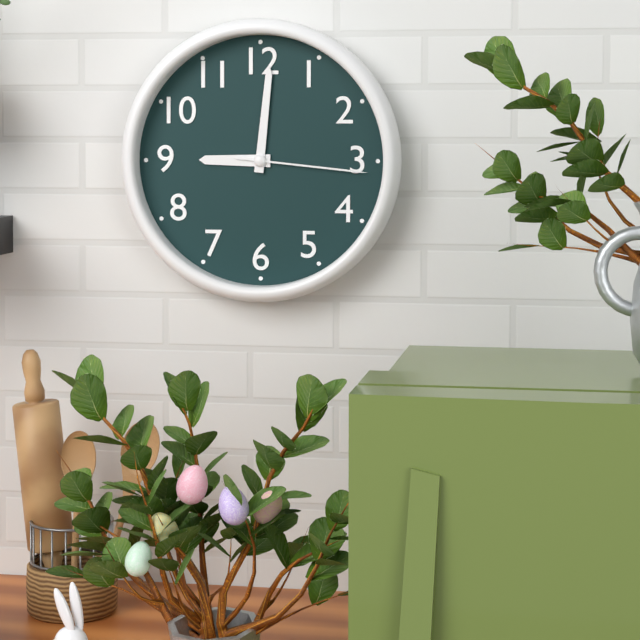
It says 9.01.16
